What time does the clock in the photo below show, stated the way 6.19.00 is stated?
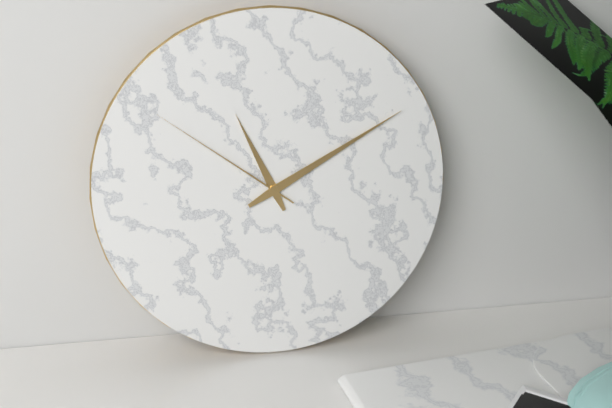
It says 11.10.51
